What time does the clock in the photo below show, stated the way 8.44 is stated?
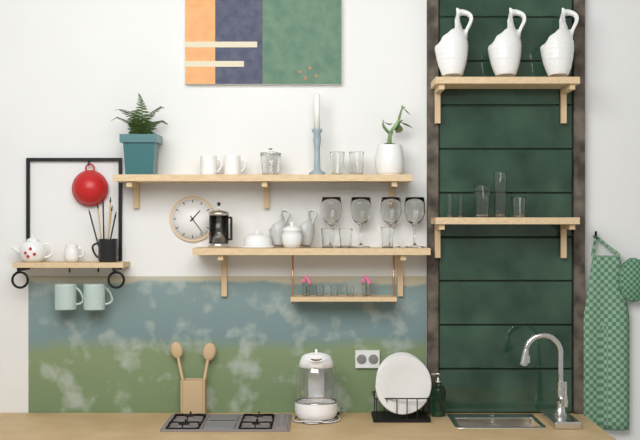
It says 1.24
